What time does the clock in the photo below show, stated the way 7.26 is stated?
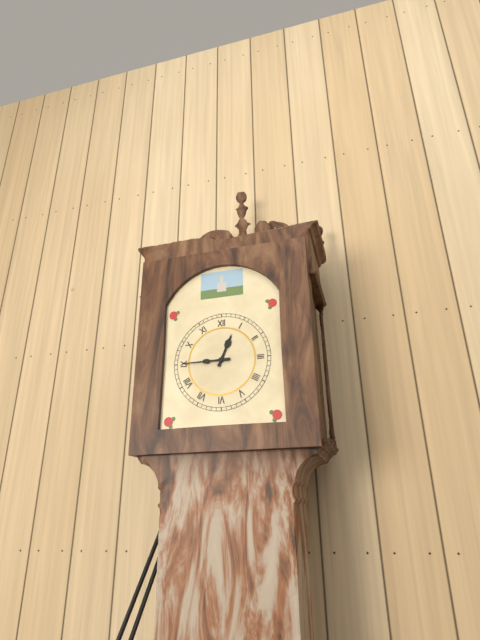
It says 12.45
